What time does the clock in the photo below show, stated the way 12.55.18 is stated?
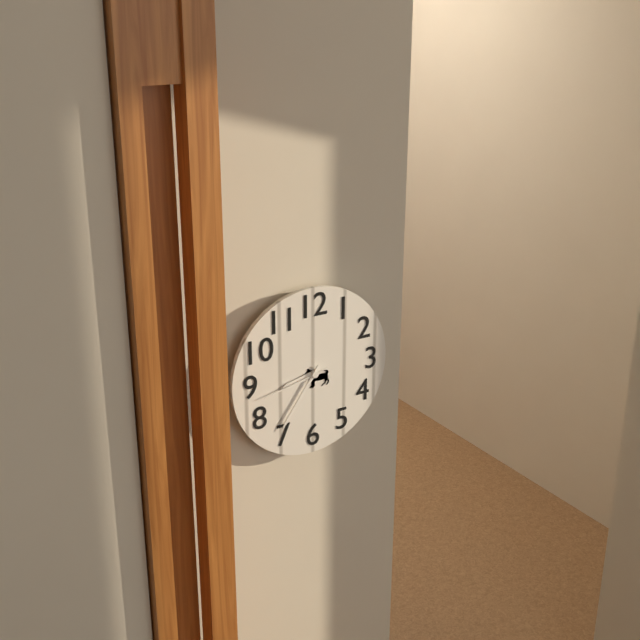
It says 8.36.43
